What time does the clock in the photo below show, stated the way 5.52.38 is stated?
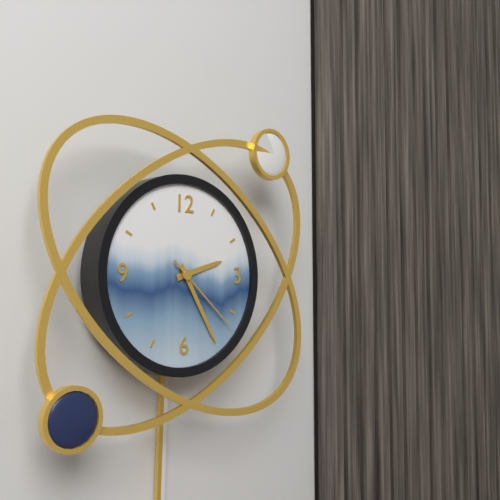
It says 2.25.22
